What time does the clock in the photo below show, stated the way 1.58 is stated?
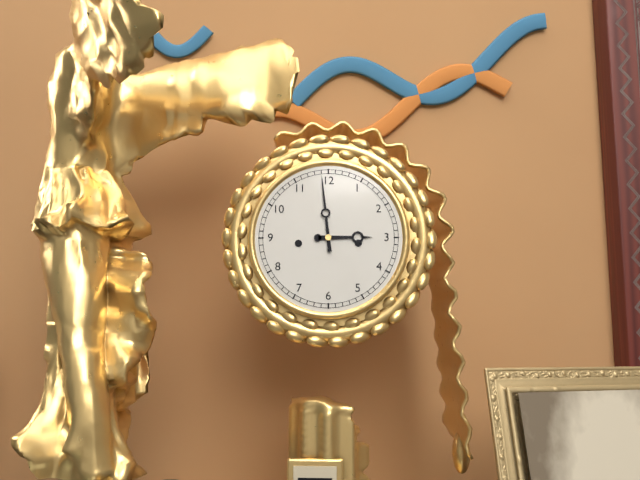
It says 2.59
